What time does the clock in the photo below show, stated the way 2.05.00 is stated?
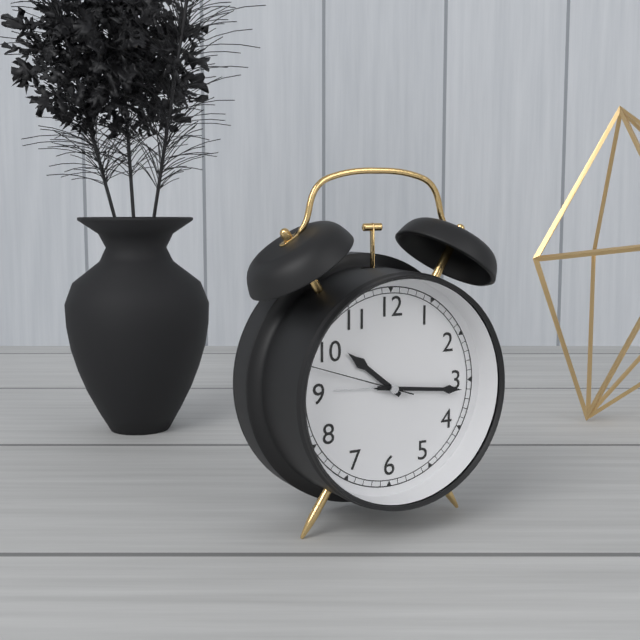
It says 10.16.48
